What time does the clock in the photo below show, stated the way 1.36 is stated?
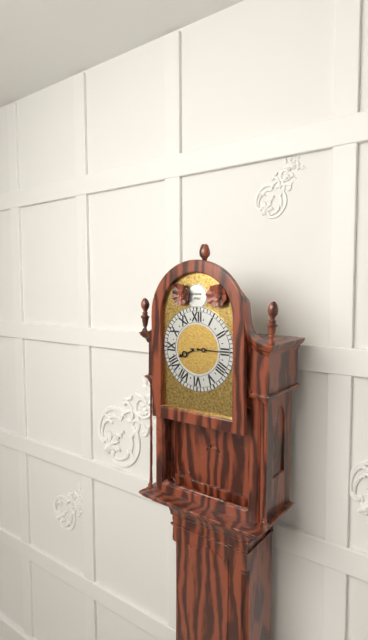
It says 8.15
